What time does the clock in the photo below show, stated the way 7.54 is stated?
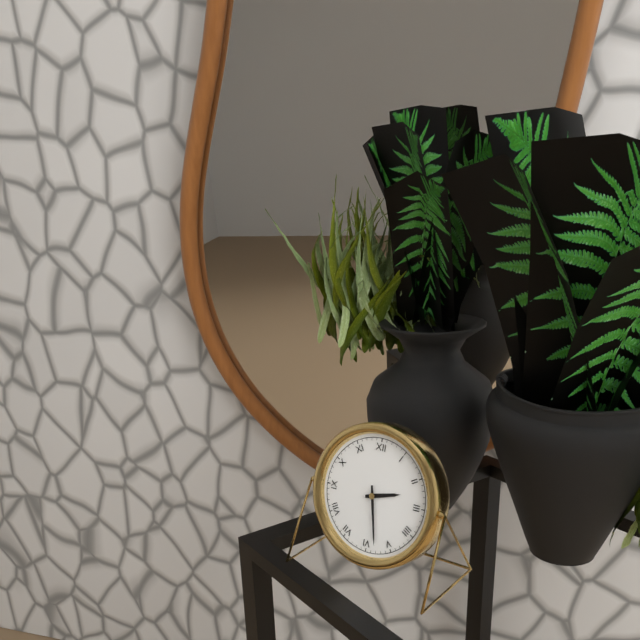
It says 2.28
